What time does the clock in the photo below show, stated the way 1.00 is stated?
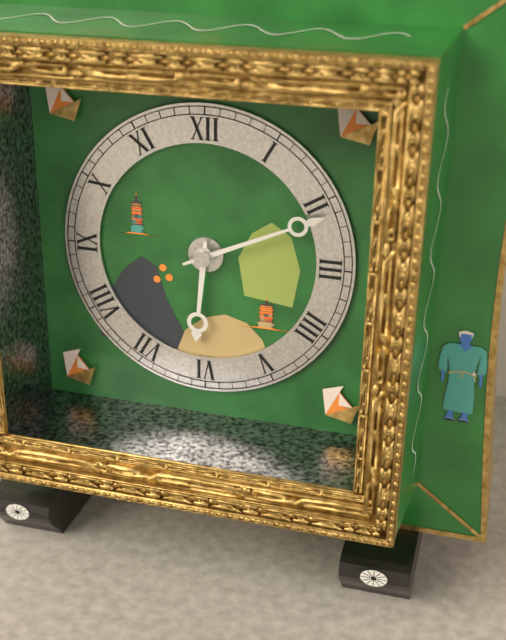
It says 6.11
